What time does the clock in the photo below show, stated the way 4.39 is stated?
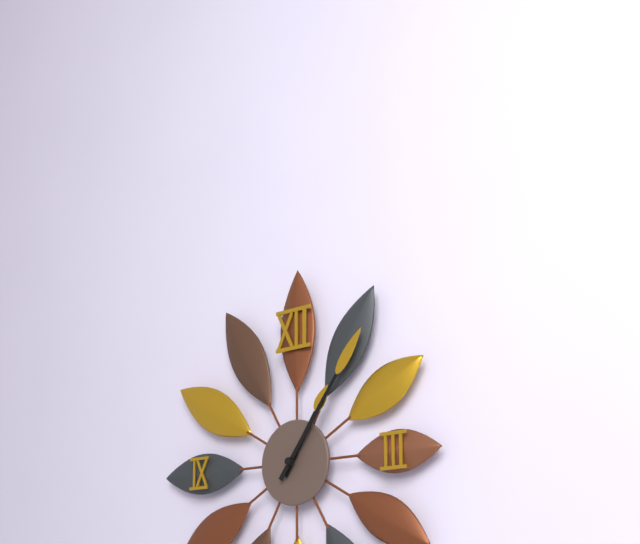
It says 1.06
